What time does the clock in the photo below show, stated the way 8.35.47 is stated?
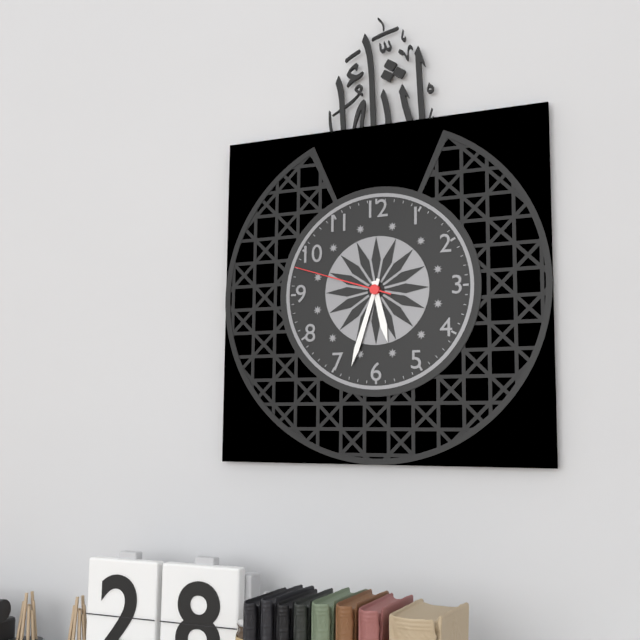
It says 5.33.48
